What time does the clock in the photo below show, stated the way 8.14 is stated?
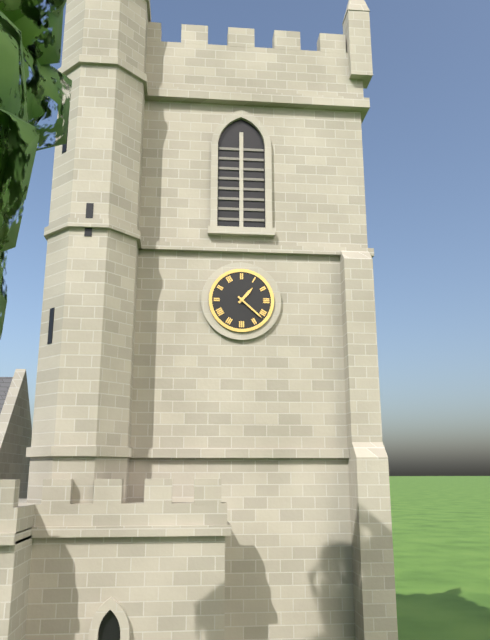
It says 1.22
